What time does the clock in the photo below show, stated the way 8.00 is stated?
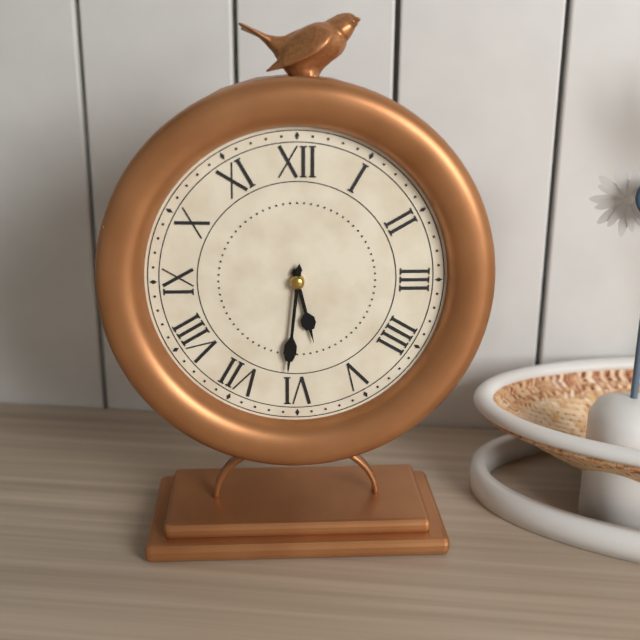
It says 5.31
